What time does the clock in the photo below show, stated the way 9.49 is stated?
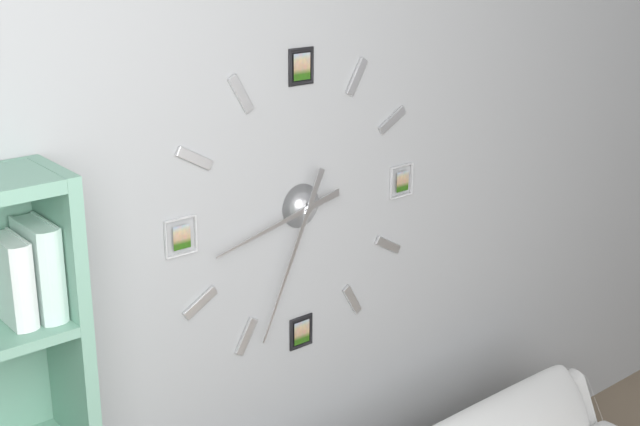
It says 8.34
